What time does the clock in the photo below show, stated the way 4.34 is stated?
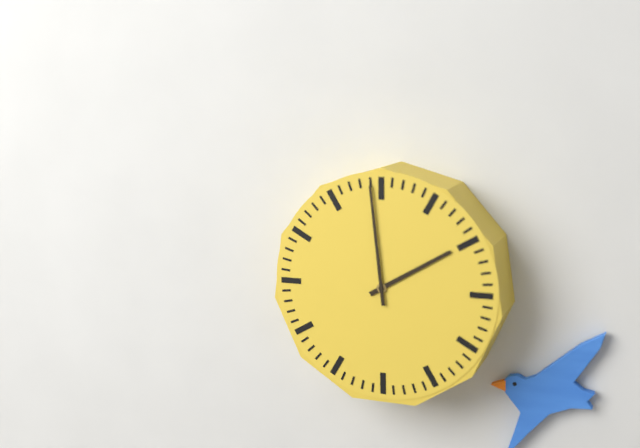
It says 1.59
